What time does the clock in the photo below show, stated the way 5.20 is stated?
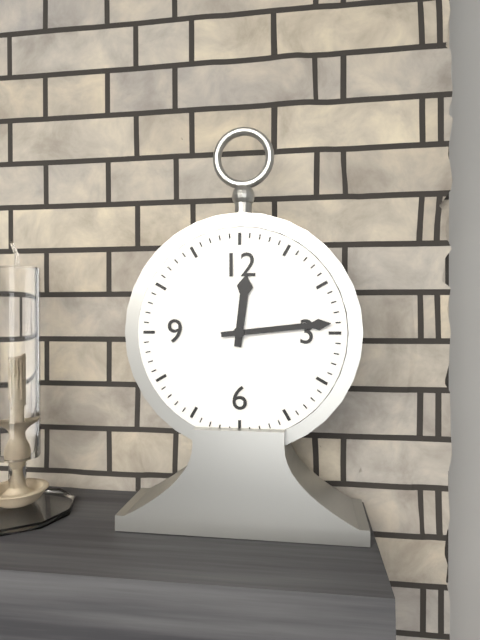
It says 12.14
